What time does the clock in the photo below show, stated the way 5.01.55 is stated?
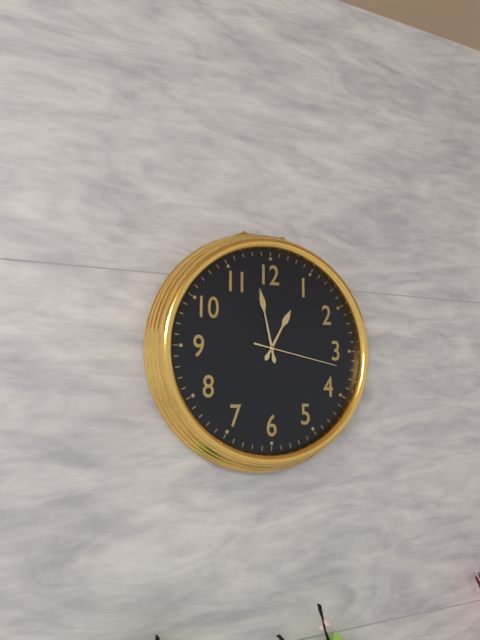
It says 12.58.17
